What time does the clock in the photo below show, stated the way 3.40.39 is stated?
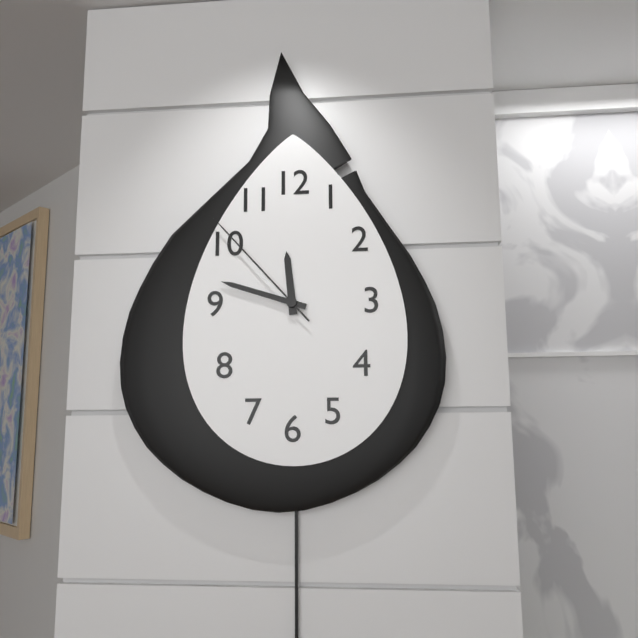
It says 11.48.53
